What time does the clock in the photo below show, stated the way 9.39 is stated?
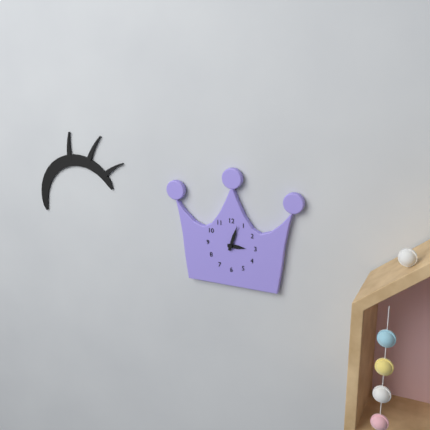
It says 3.03
